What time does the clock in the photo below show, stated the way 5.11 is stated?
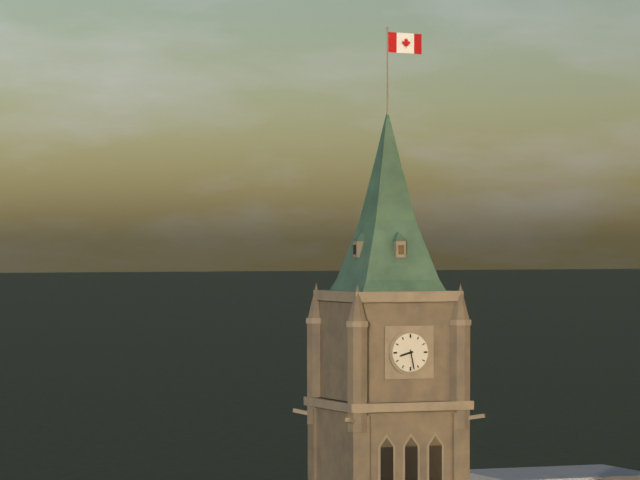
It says 8.28
